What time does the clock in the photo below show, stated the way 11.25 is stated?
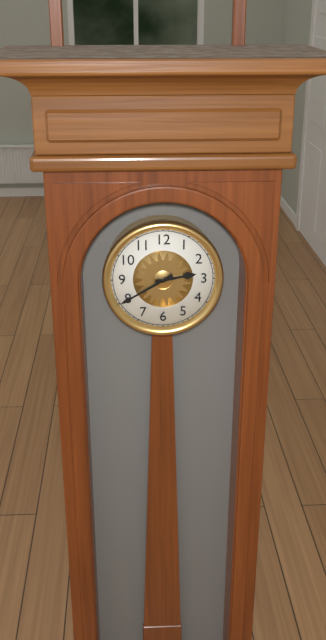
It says 2.40
